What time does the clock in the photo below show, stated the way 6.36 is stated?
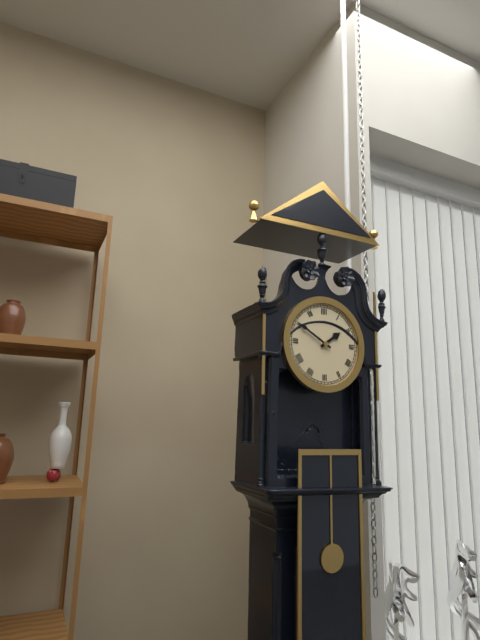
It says 1.50
